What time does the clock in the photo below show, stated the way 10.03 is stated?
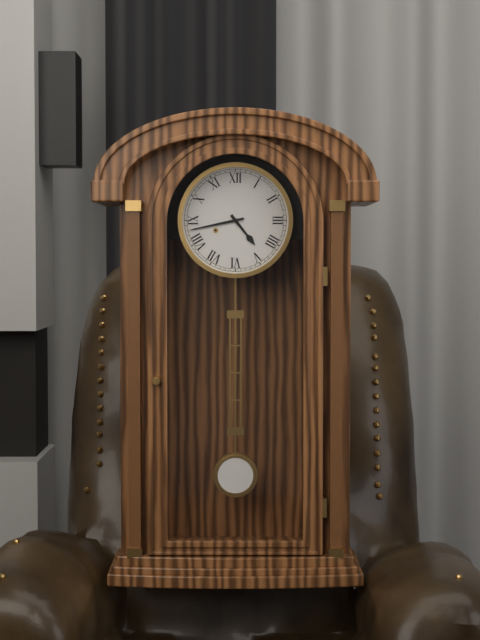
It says 4.43
